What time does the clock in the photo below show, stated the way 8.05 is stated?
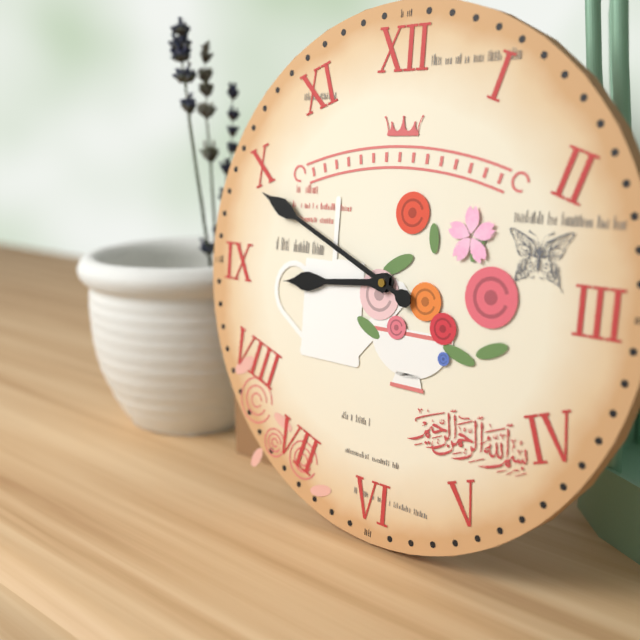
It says 8.49
